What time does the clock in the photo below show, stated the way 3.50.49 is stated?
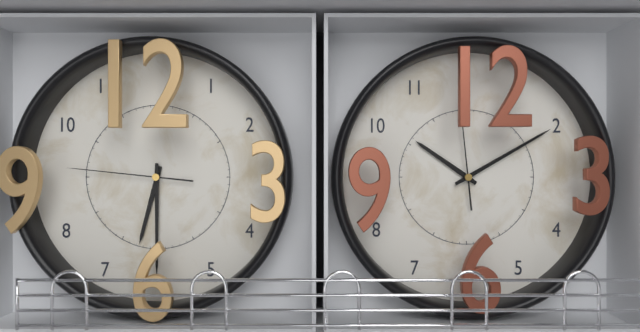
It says 6.30.46
